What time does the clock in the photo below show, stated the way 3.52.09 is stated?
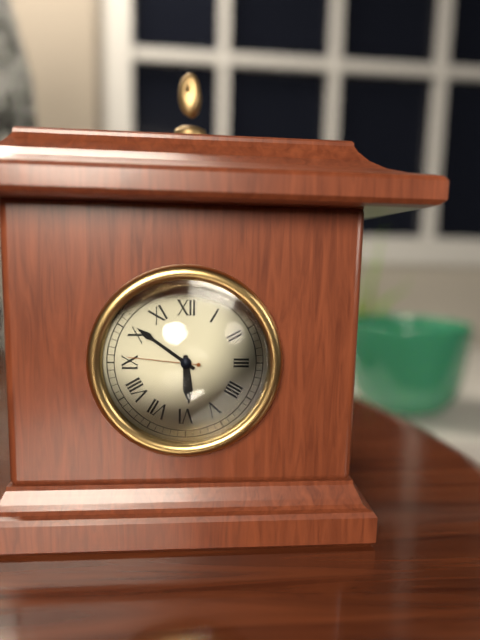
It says 5.51.46
